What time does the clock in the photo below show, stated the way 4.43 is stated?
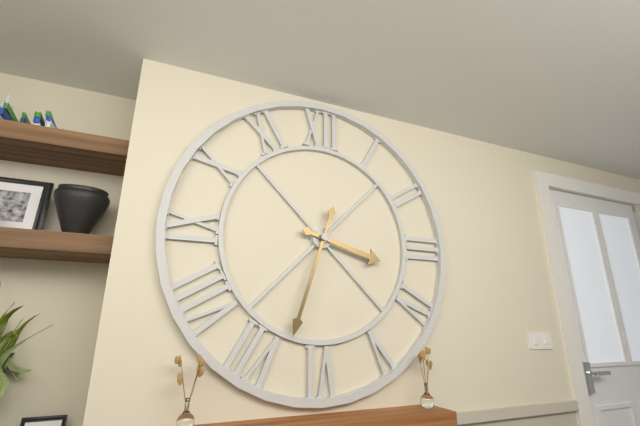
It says 3.33
